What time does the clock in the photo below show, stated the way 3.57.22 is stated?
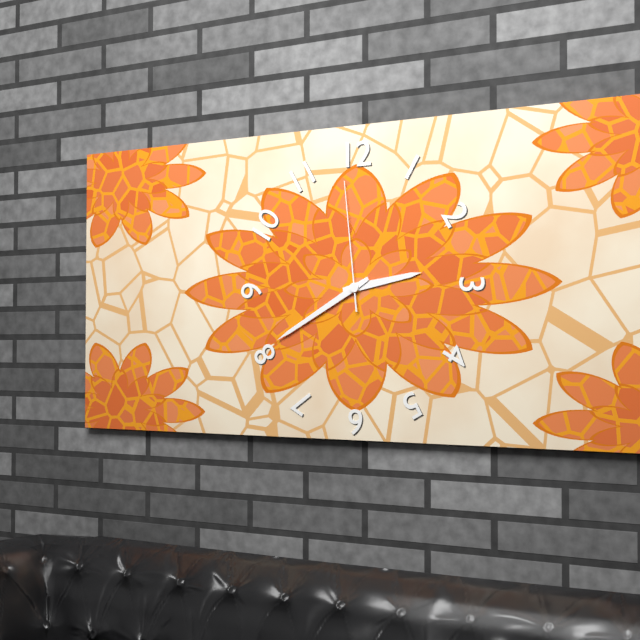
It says 2.40.59
